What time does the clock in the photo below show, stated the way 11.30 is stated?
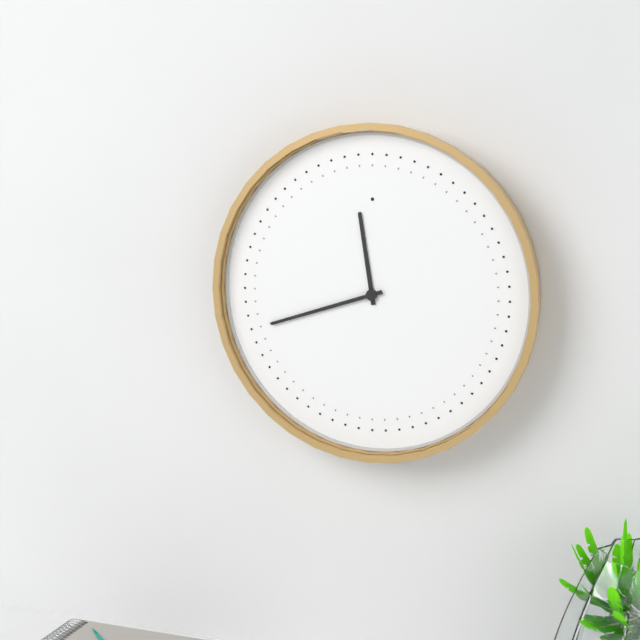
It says 11.42
